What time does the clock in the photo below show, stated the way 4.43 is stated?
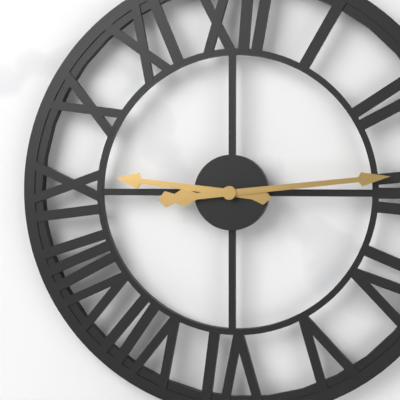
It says 9.14
